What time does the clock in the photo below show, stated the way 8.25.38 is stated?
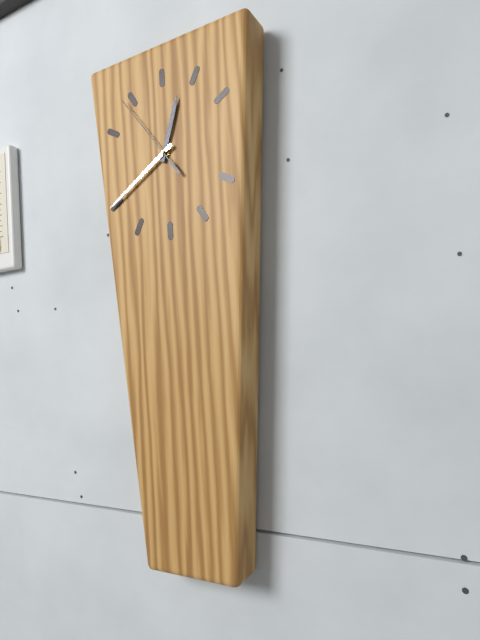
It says 12.40.54
